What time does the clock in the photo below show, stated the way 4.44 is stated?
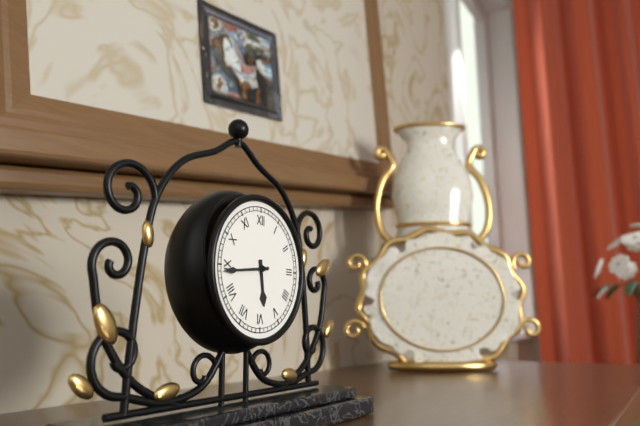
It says 5.44
